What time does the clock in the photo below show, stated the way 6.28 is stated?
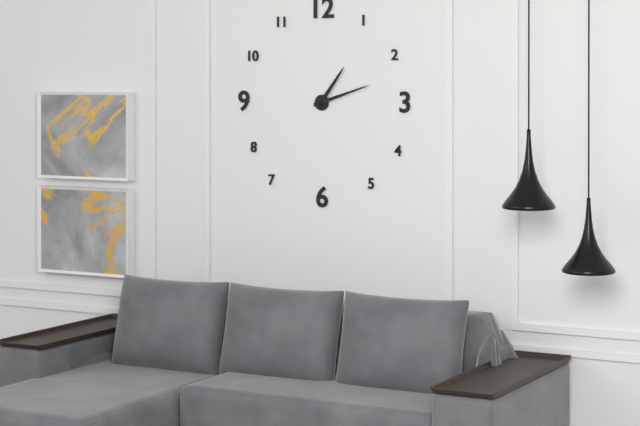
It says 1.12
